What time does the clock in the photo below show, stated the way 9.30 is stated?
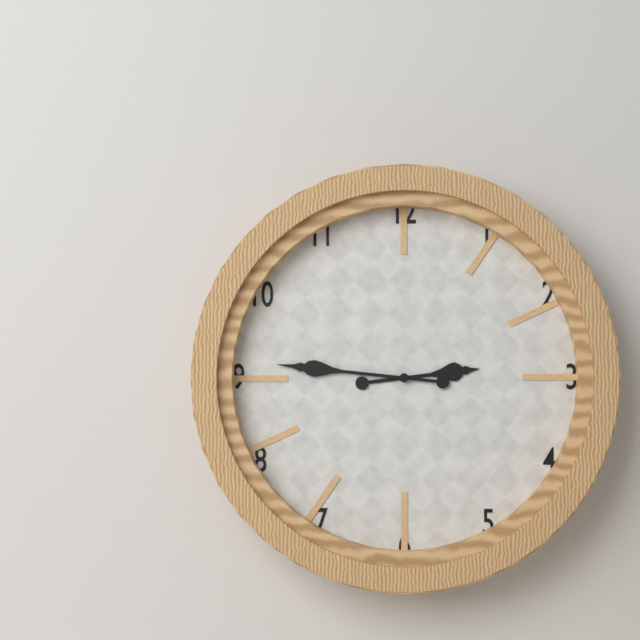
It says 2.46
